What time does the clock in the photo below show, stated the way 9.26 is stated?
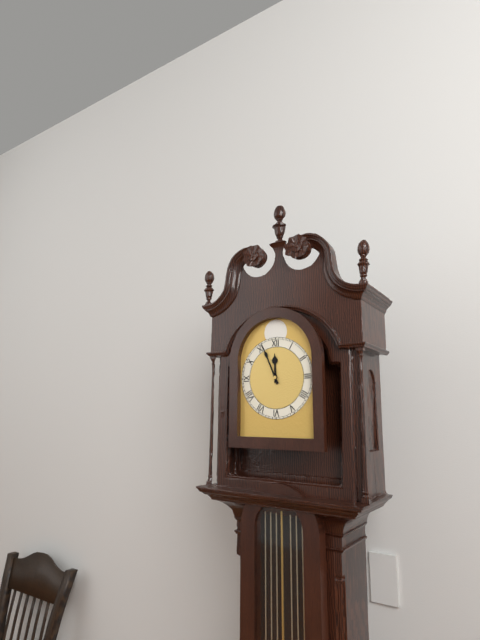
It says 11.56
